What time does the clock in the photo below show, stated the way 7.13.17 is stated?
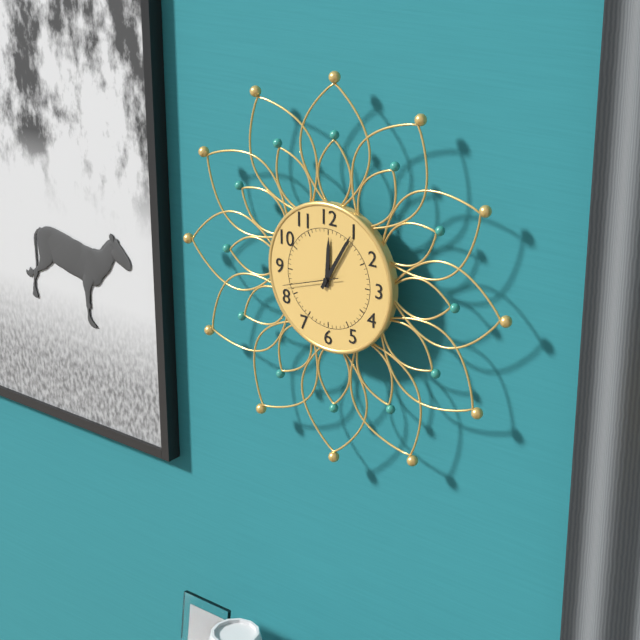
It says 12.05.42
